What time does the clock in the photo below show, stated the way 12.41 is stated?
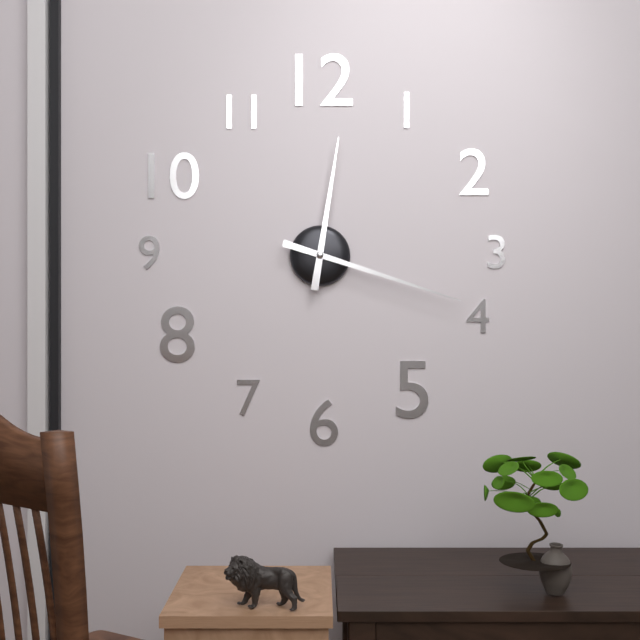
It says 12.18
